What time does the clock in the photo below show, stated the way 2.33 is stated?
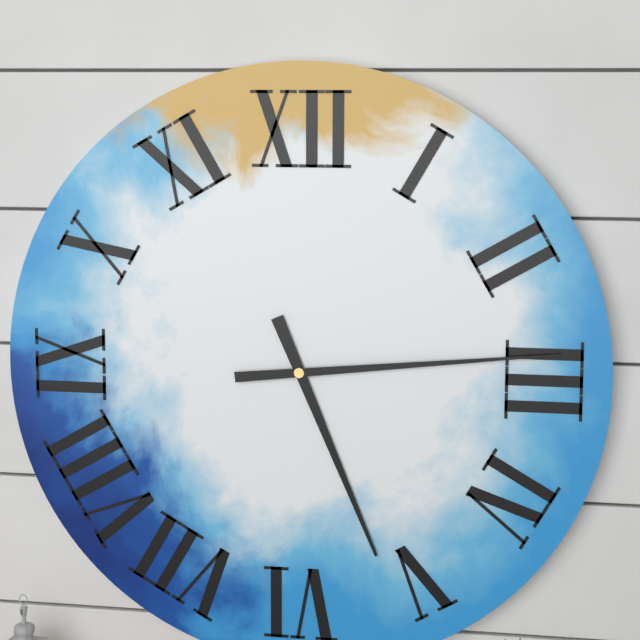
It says 5.14
